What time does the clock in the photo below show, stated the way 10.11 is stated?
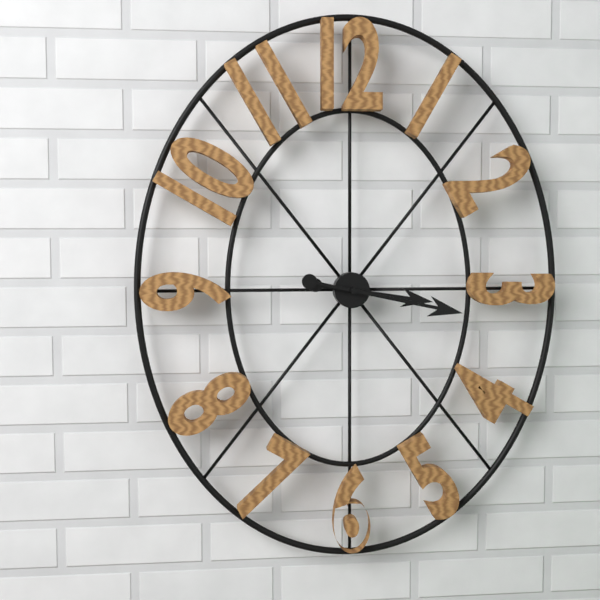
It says 3.17
